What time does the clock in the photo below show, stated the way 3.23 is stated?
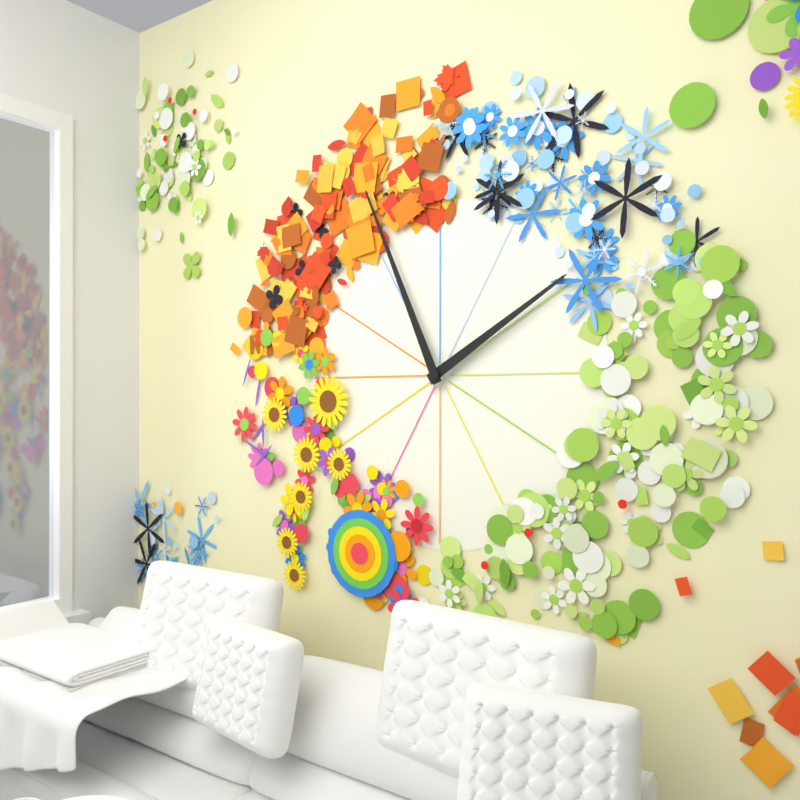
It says 1.56
